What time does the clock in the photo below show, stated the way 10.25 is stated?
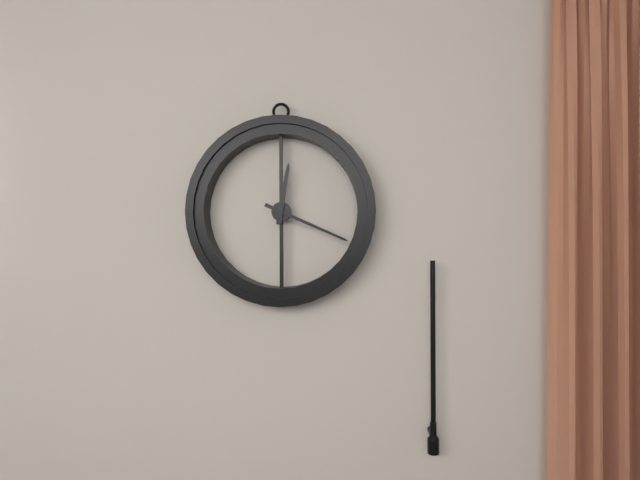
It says 12.19
